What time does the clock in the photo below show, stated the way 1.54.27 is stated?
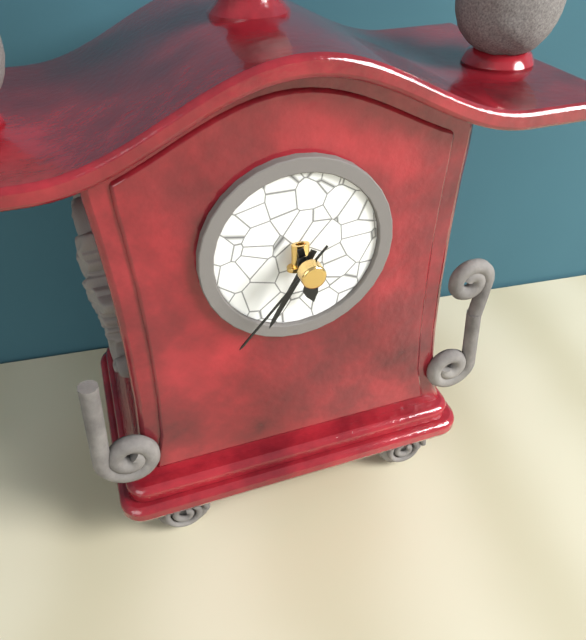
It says 5.35.37
